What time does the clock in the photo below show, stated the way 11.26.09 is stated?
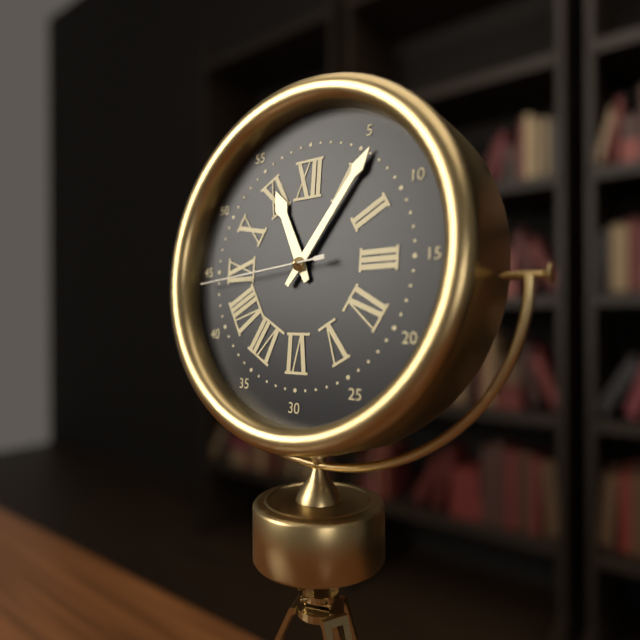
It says 11.06.44
